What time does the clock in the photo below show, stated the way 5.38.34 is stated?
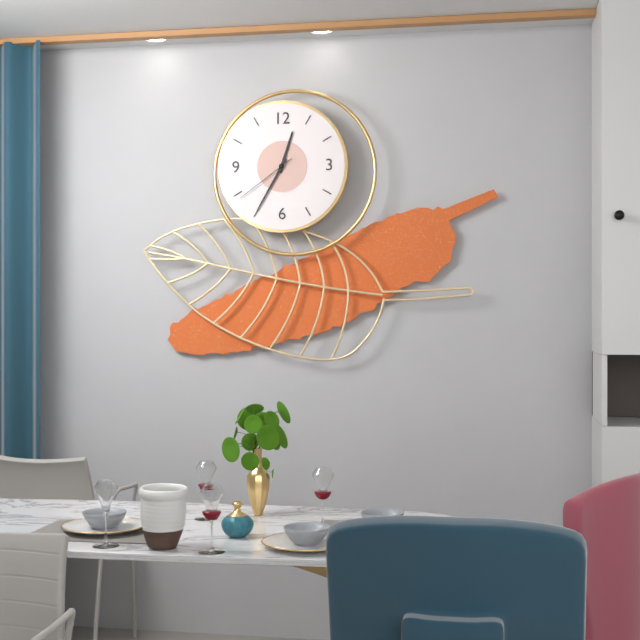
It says 12.35.39
